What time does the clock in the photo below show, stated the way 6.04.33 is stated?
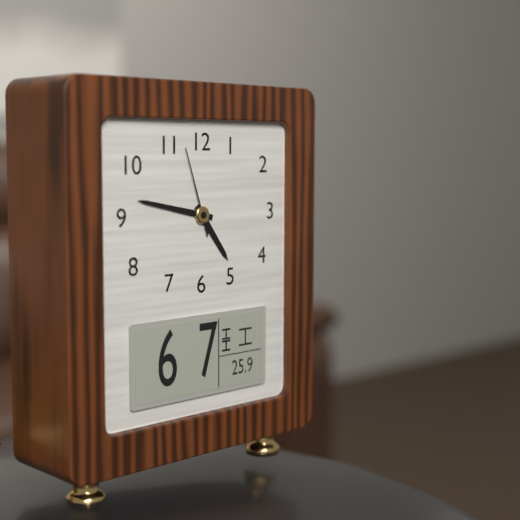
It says 4.47.57
